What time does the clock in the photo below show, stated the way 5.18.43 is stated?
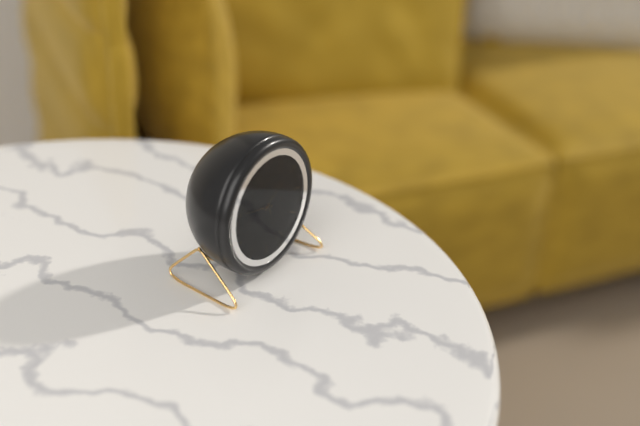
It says 1.47.27
